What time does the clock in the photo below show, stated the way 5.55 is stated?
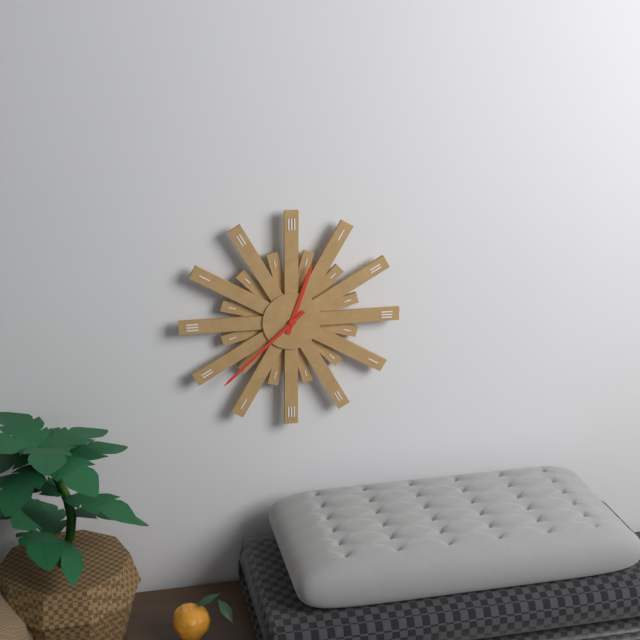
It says 12.38
